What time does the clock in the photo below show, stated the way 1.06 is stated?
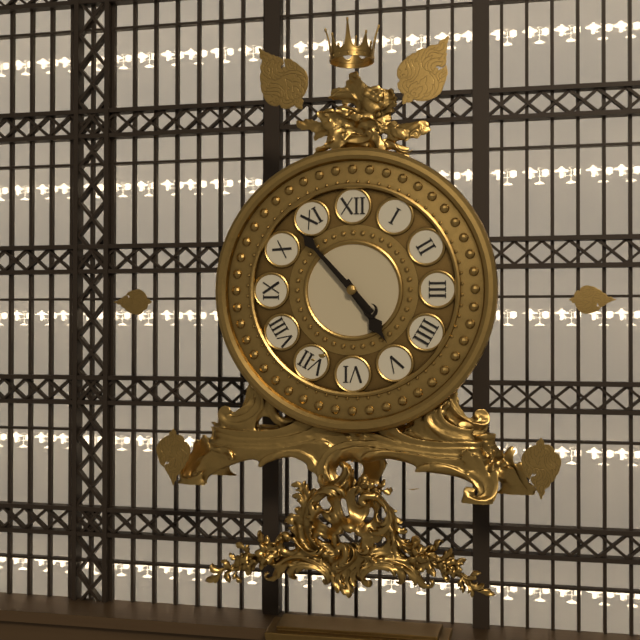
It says 4.53
